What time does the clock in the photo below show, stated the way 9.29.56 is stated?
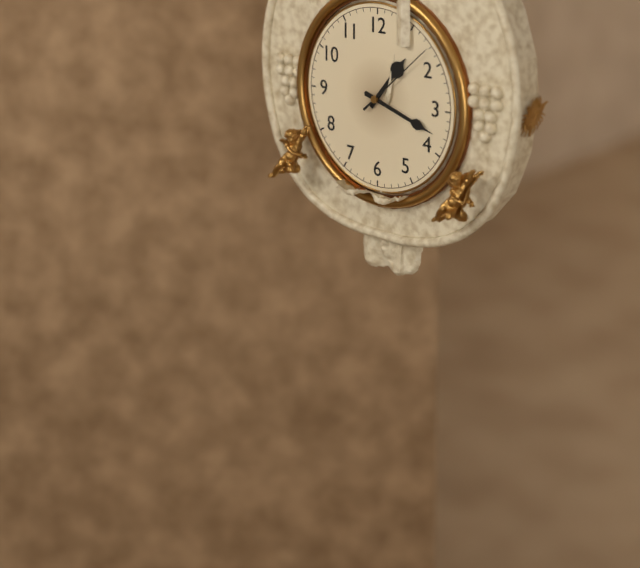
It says 1.18.08
